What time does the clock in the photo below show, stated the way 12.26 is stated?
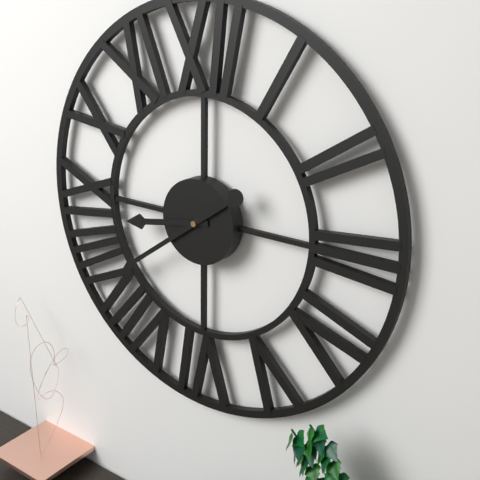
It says 8.39
